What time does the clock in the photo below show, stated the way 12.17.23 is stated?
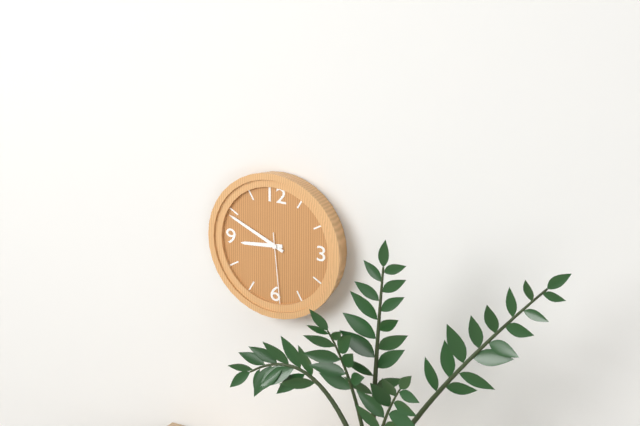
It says 8.49.29
